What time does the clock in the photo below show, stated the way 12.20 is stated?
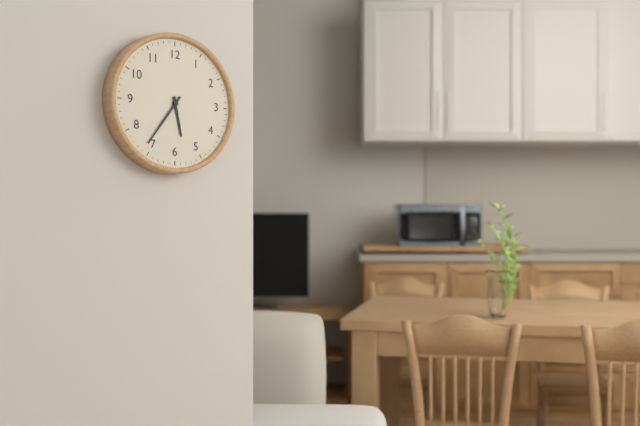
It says 5.36
